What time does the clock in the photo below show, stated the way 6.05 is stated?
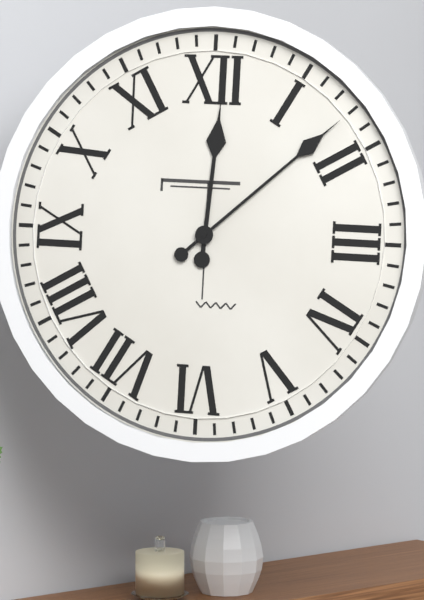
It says 12.08
